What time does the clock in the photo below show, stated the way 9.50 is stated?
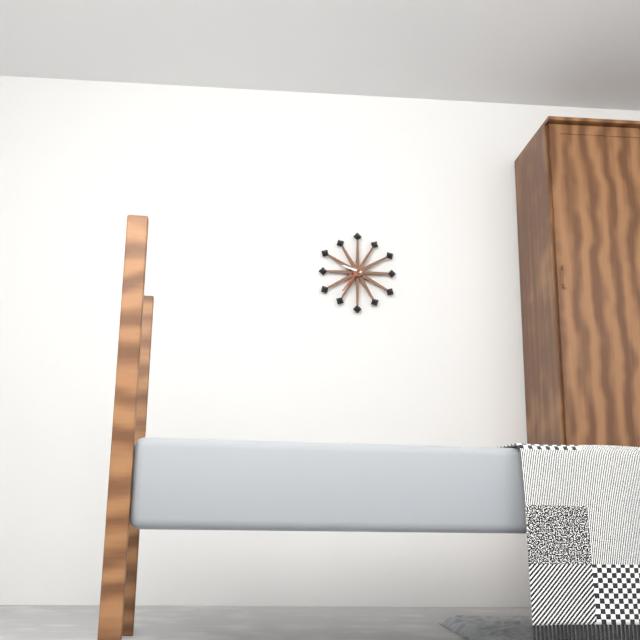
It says 9.36
